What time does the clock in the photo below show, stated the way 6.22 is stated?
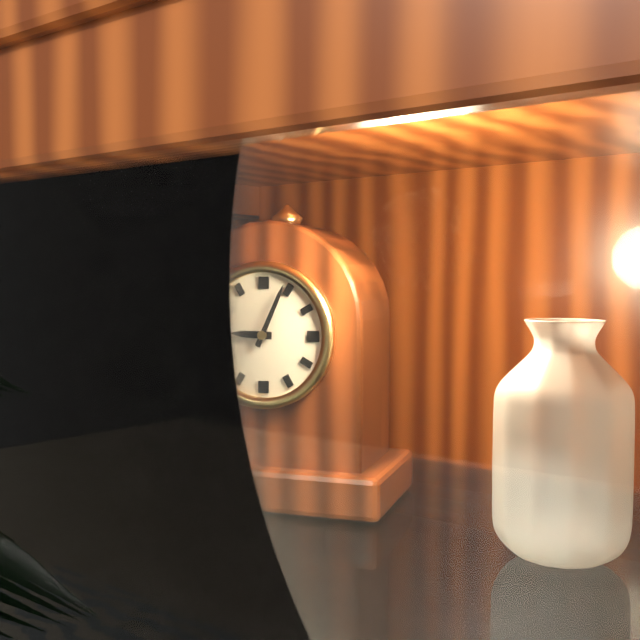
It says 9.04
